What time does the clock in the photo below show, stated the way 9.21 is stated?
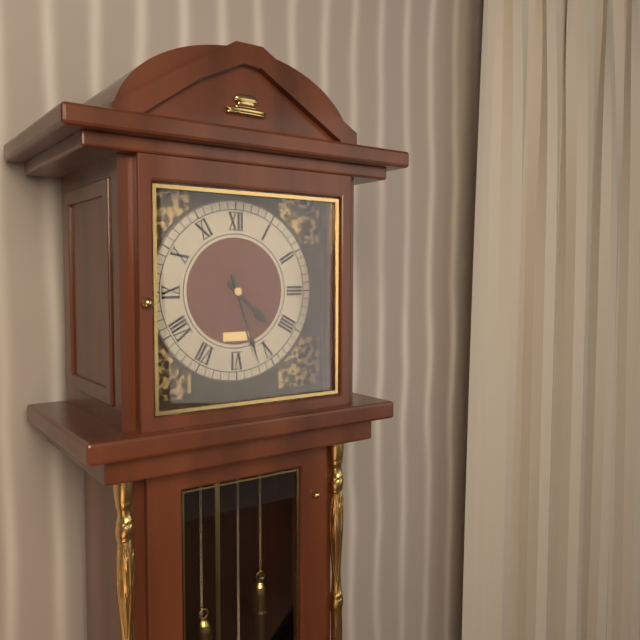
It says 4.27
